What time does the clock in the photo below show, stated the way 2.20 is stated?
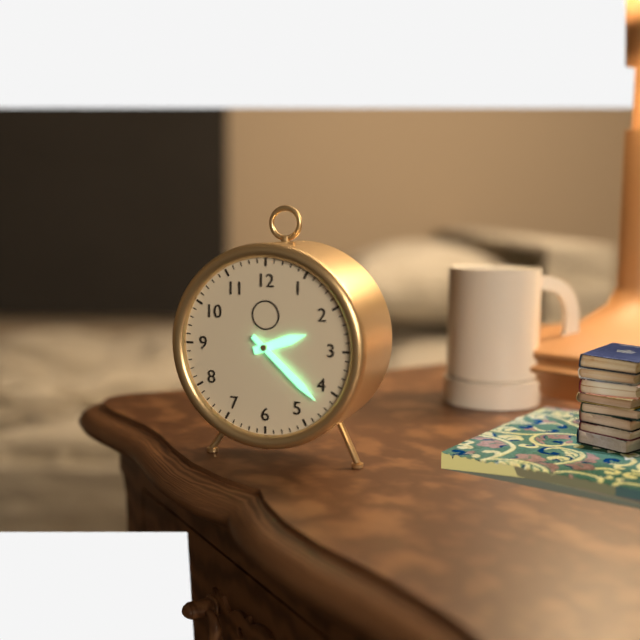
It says 2.22
